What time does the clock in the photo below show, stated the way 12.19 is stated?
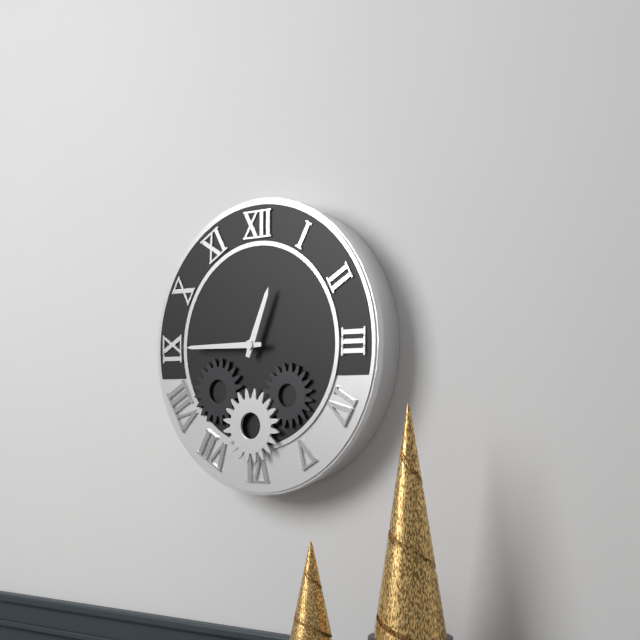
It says 12.45
